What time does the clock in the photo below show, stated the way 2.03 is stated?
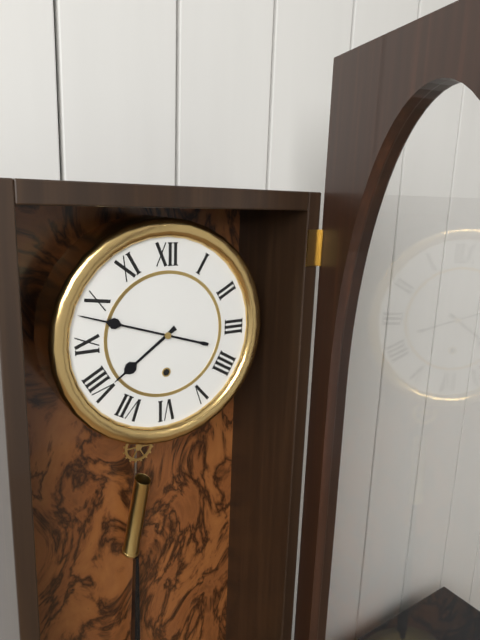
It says 7.48
